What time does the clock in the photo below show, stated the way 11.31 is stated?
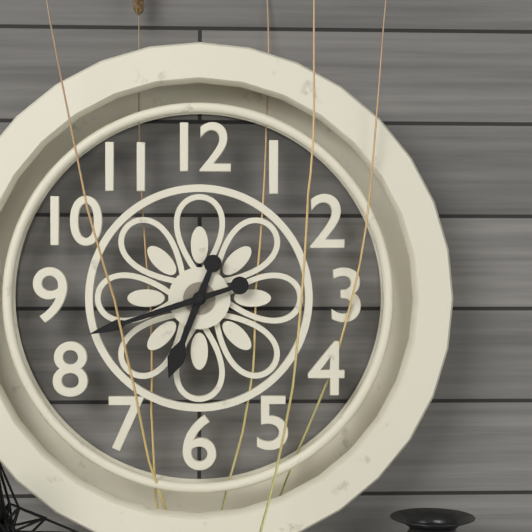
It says 6.42
